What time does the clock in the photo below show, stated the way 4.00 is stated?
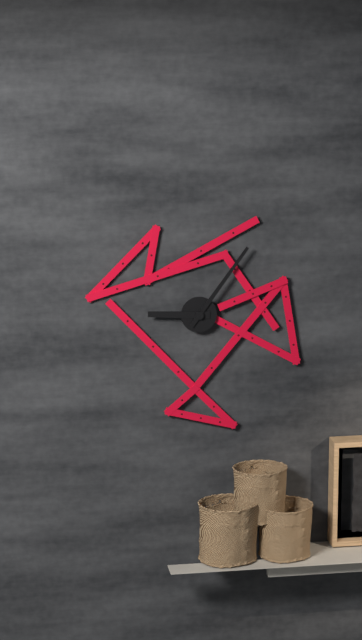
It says 9.06
